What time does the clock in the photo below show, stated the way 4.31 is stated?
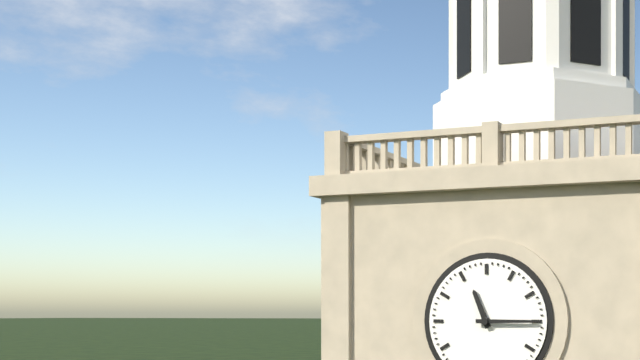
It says 11.15
